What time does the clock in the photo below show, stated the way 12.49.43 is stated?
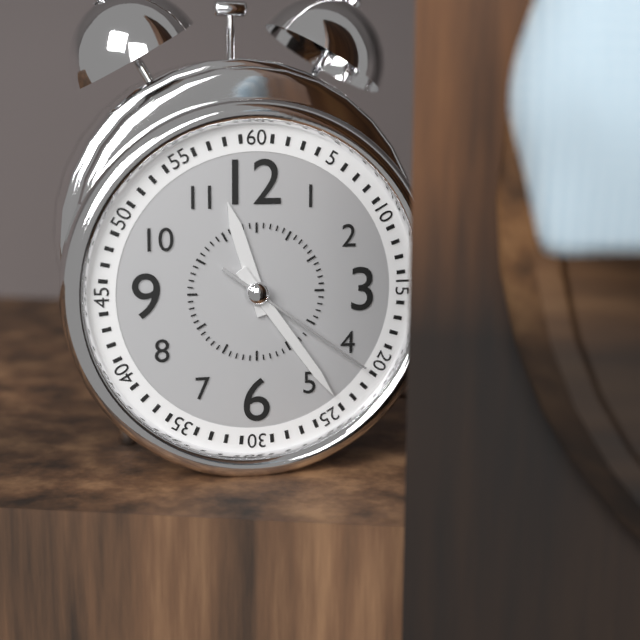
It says 11.24.21
